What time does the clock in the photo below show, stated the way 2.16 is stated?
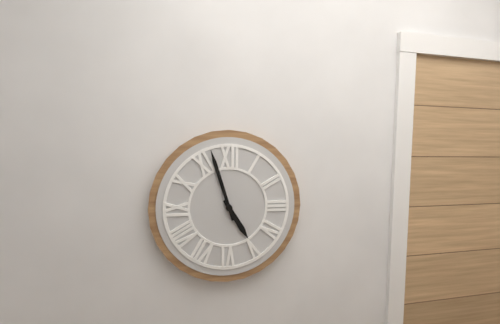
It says 4.57
